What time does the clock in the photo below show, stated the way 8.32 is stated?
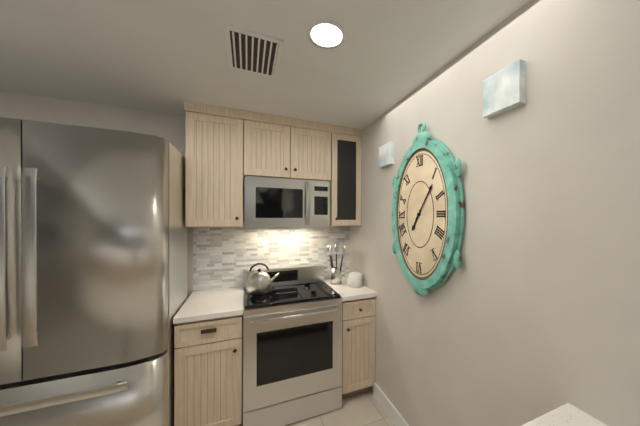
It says 7.06
